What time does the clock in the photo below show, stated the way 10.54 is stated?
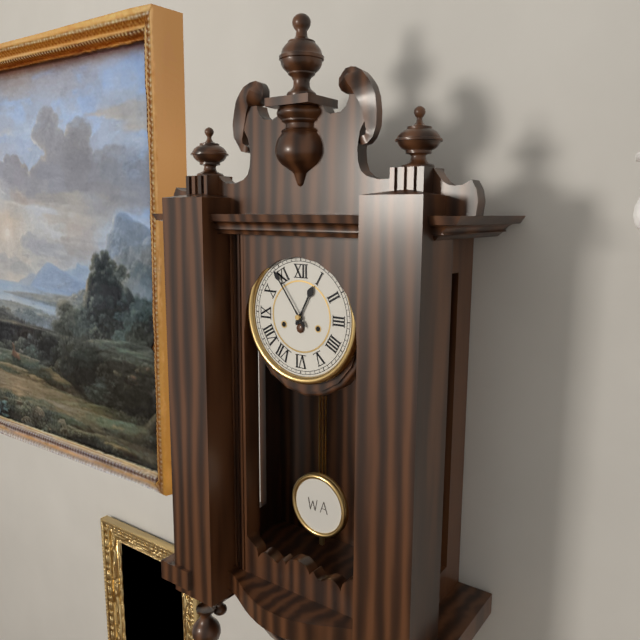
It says 12.54
